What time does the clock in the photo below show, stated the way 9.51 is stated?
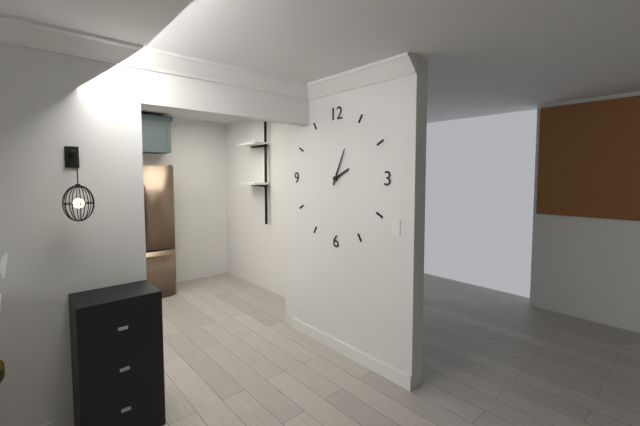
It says 2.04
